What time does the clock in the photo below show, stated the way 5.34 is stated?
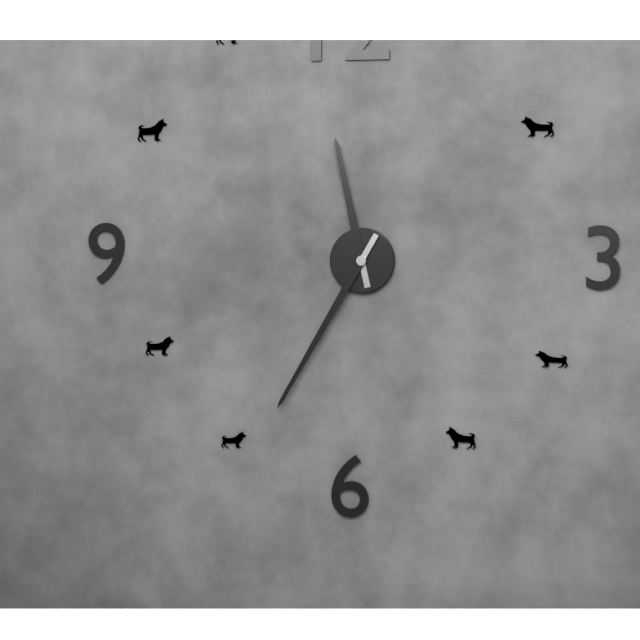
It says 11.35
